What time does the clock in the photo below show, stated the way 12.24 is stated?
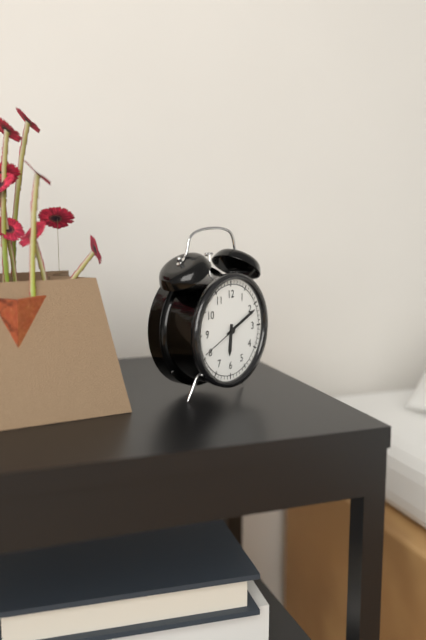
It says 6.11
